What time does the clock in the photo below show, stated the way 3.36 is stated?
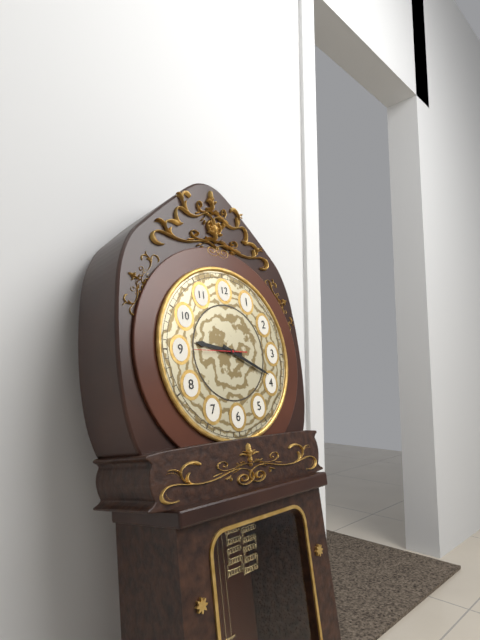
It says 9.19
